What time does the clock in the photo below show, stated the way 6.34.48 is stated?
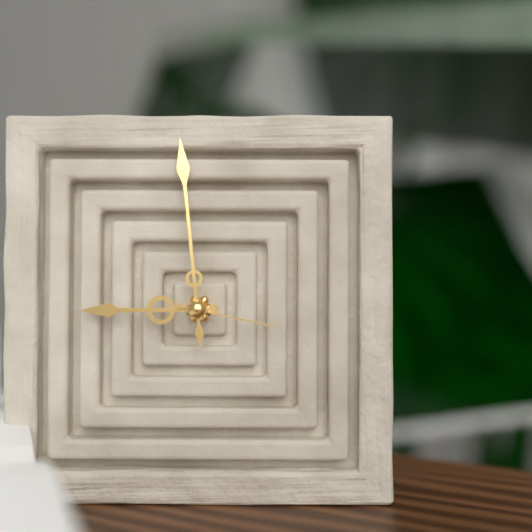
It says 8.59.17
